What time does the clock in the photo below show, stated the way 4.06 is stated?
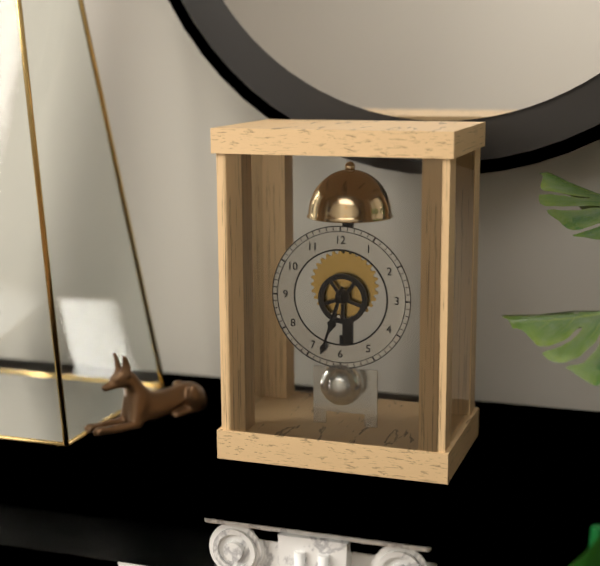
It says 6.33
